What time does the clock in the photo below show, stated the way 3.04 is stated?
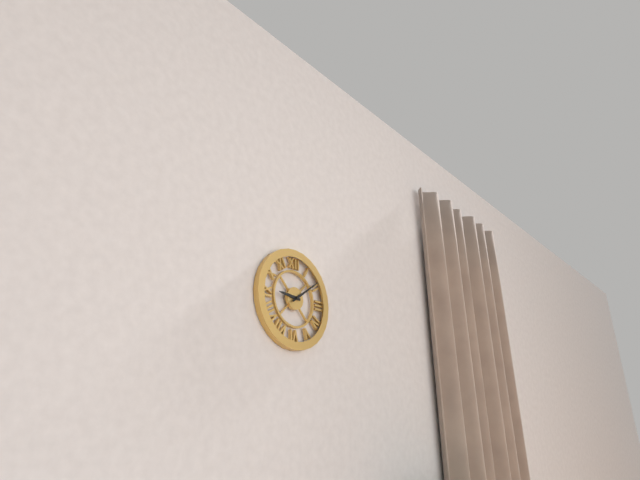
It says 9.09
